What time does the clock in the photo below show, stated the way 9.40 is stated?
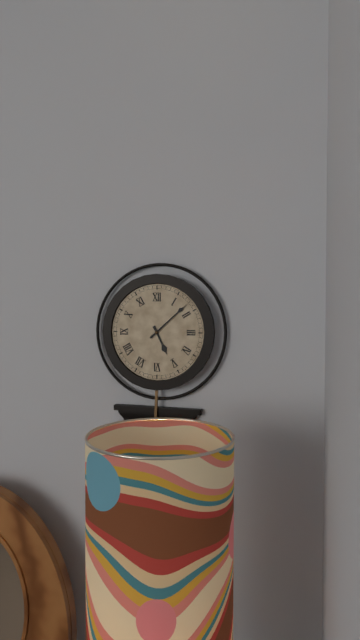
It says 5.08
